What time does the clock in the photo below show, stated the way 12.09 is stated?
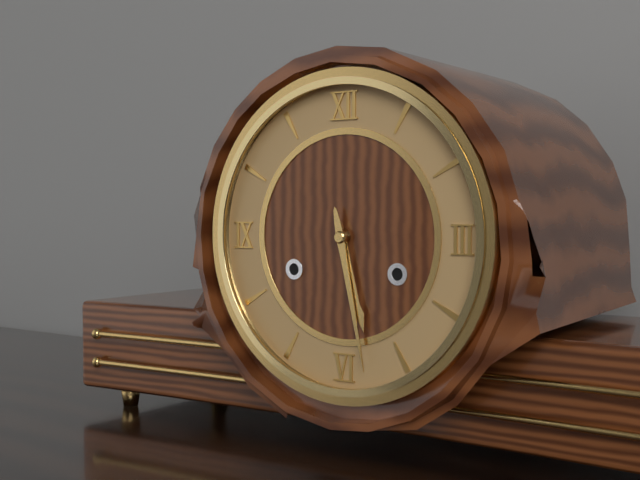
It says 5.28
